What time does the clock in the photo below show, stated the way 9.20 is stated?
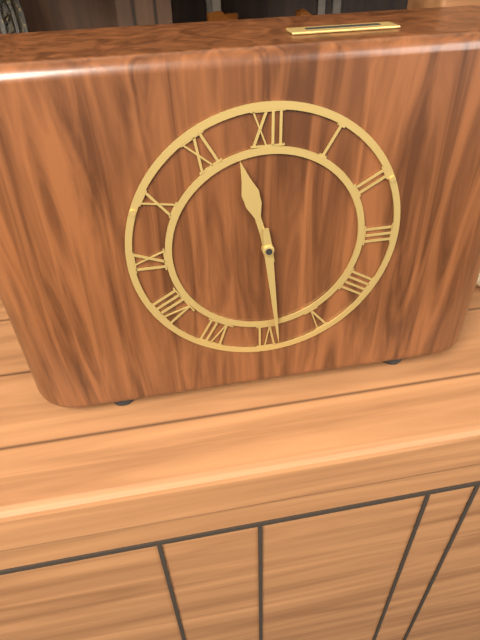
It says 11.29
